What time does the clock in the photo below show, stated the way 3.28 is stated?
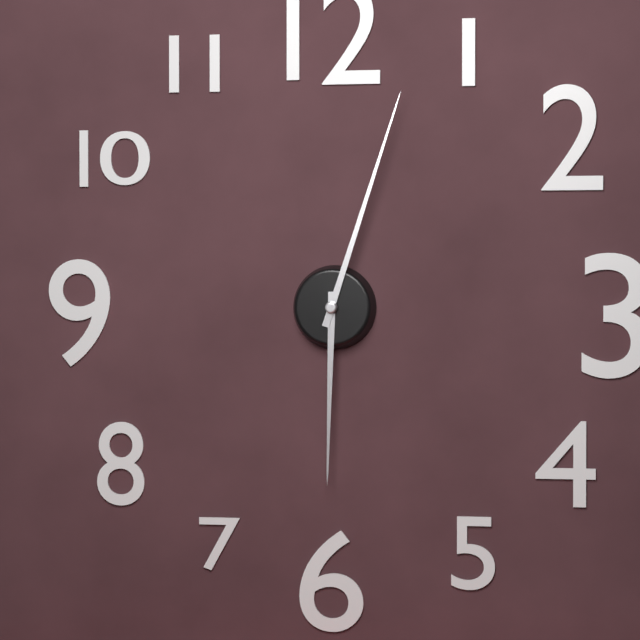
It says 6.03
